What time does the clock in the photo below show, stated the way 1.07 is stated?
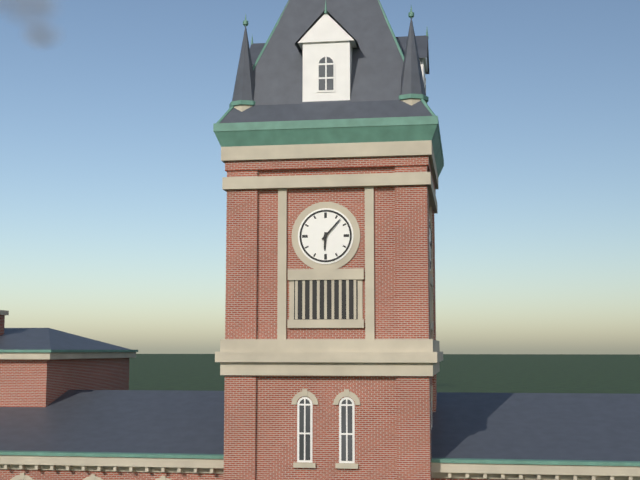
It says 6.07
